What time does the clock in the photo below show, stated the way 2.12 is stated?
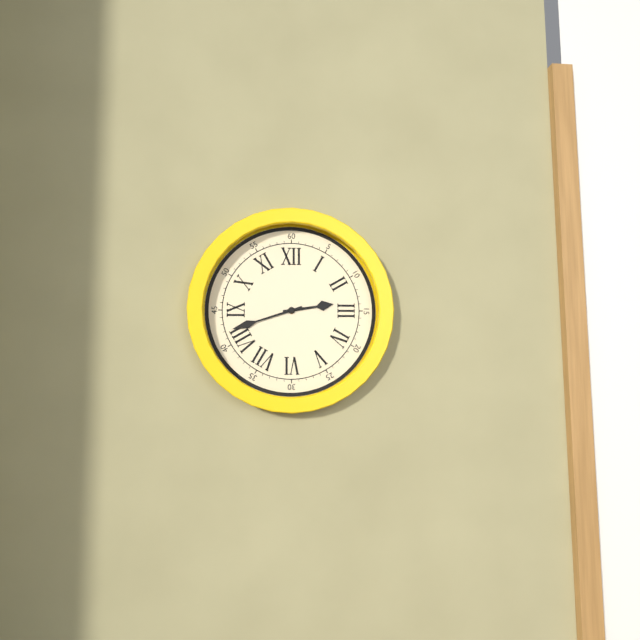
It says 2.42
